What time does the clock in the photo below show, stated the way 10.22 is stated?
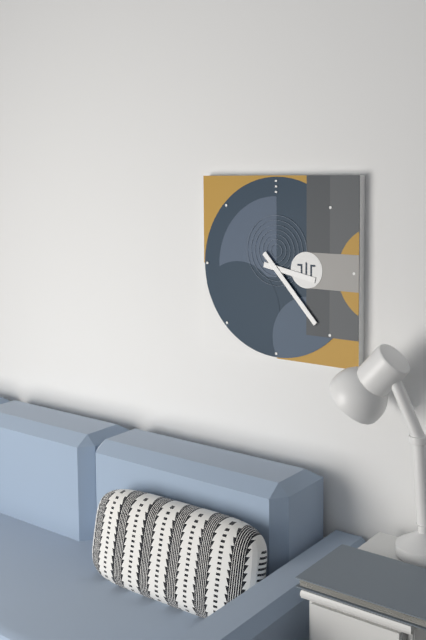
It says 3.23
